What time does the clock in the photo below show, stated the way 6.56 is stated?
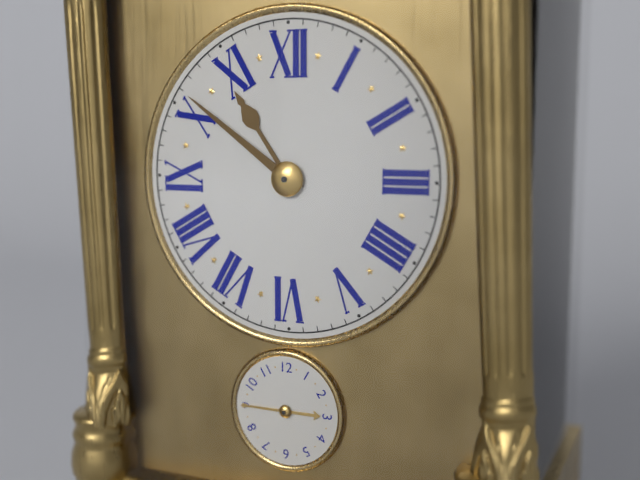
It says 10.51
